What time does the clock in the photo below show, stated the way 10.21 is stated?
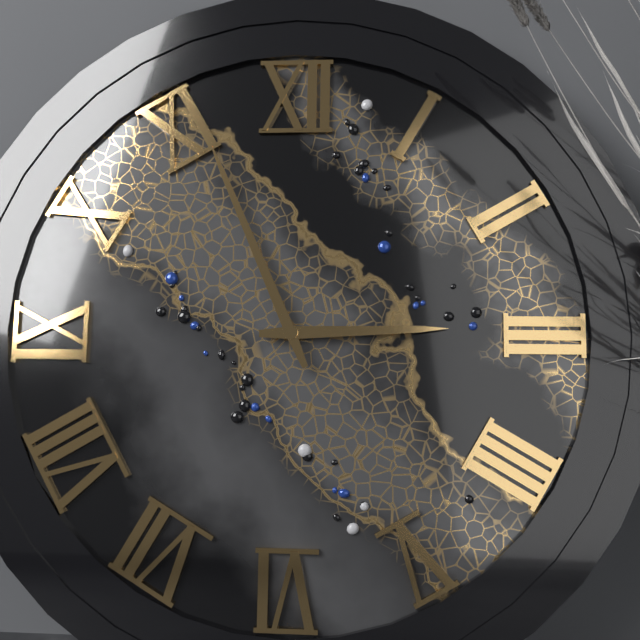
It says 2.56
